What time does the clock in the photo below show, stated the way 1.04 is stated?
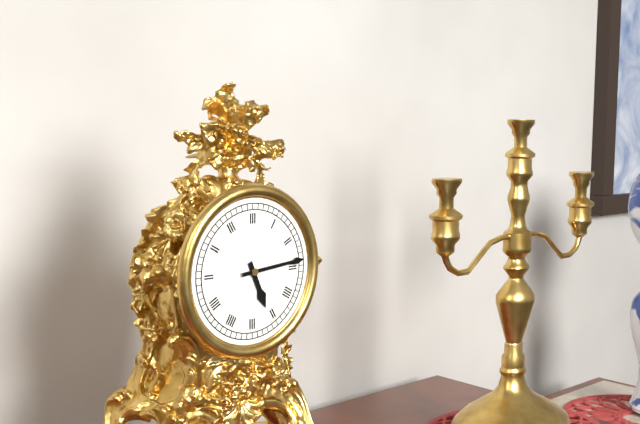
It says 5.14
